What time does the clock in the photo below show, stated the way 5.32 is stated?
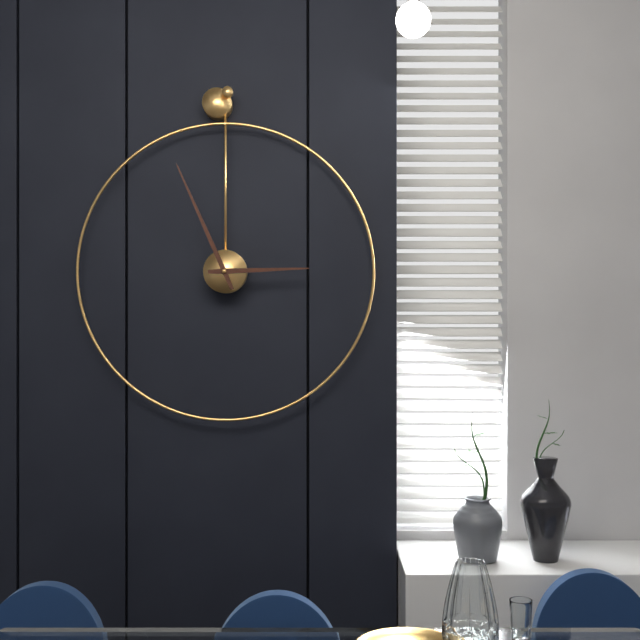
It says 2.56
